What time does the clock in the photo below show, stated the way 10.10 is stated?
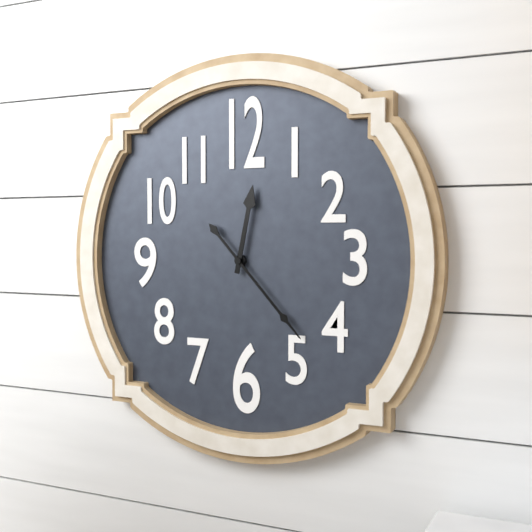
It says 12.23
